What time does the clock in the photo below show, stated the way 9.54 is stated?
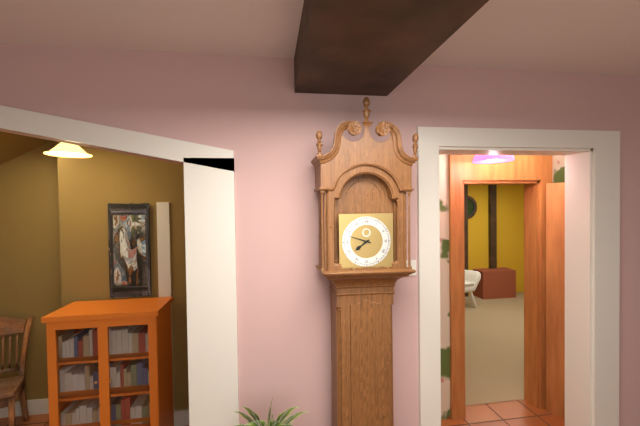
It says 7.48
